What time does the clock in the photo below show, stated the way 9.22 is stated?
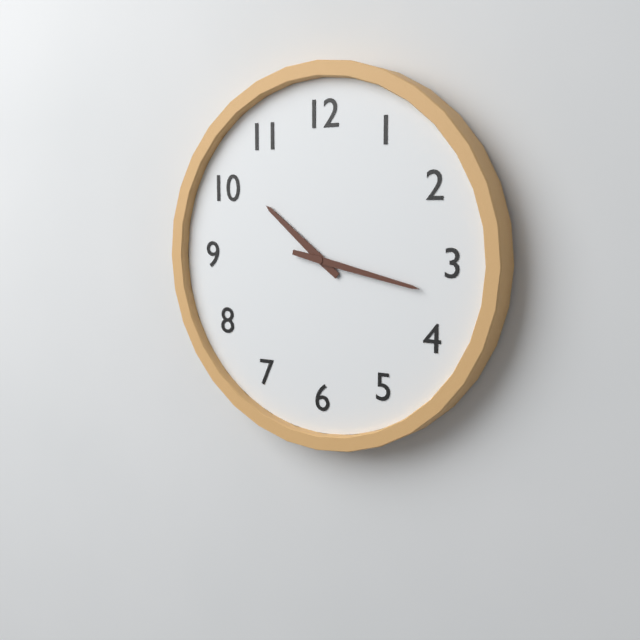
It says 10.17
